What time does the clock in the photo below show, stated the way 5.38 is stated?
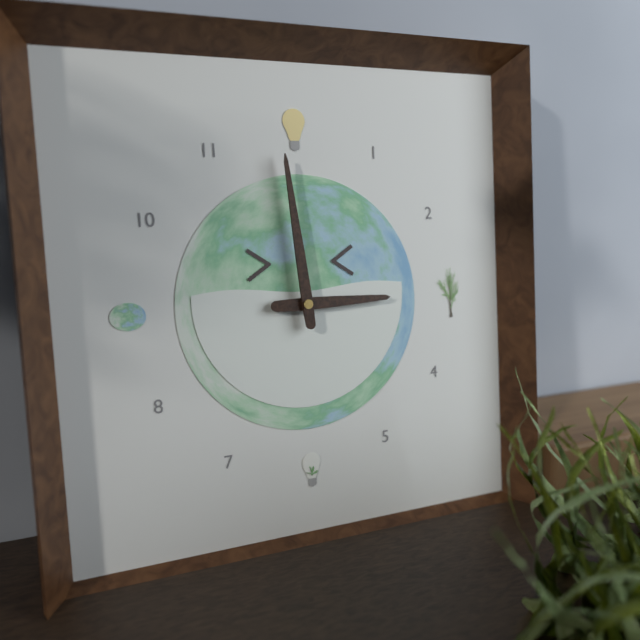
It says 2.59
